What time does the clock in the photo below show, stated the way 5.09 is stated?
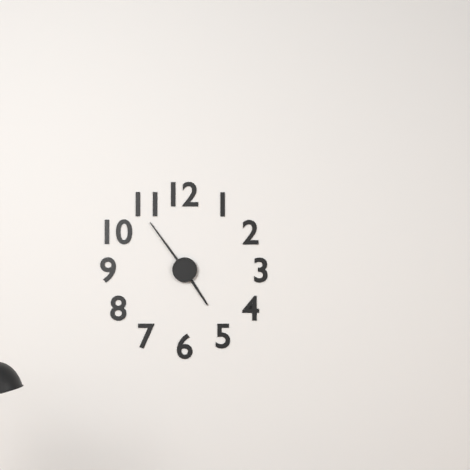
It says 4.54
